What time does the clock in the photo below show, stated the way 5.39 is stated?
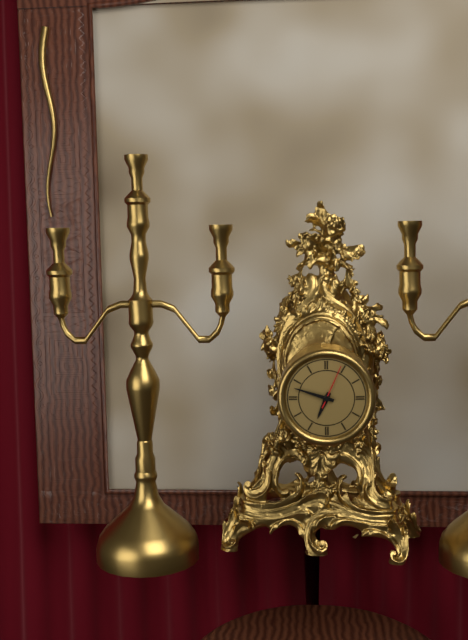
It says 6.48
